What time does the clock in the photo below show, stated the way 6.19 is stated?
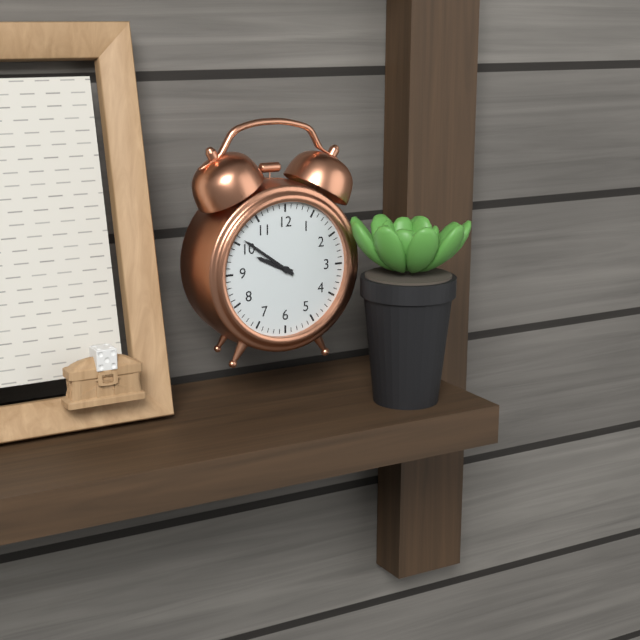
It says 9.51
